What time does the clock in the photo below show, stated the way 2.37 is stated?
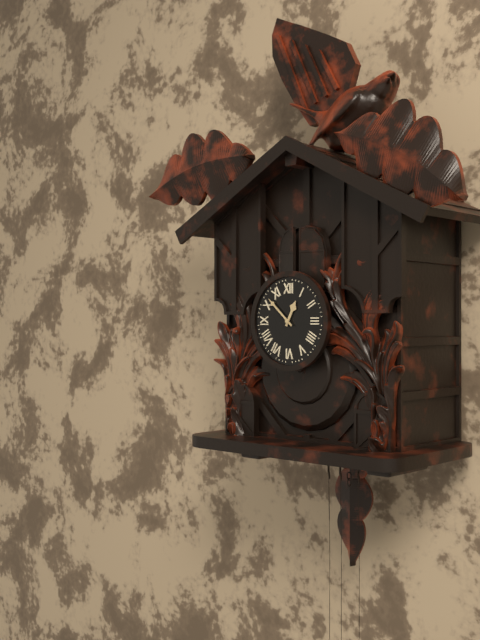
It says 12.52
